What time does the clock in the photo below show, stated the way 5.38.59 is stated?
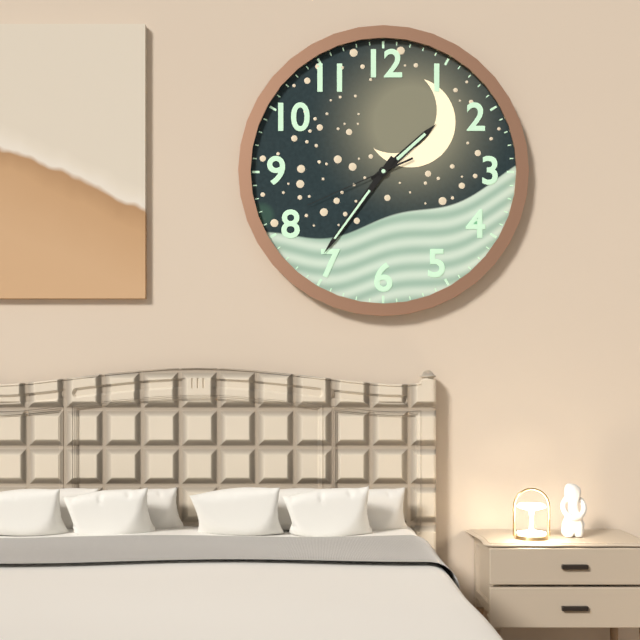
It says 1.36.41
